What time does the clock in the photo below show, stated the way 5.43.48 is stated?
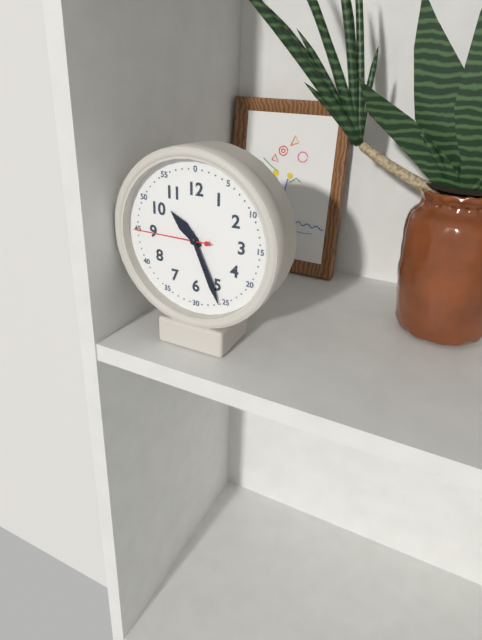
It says 10.26.45
